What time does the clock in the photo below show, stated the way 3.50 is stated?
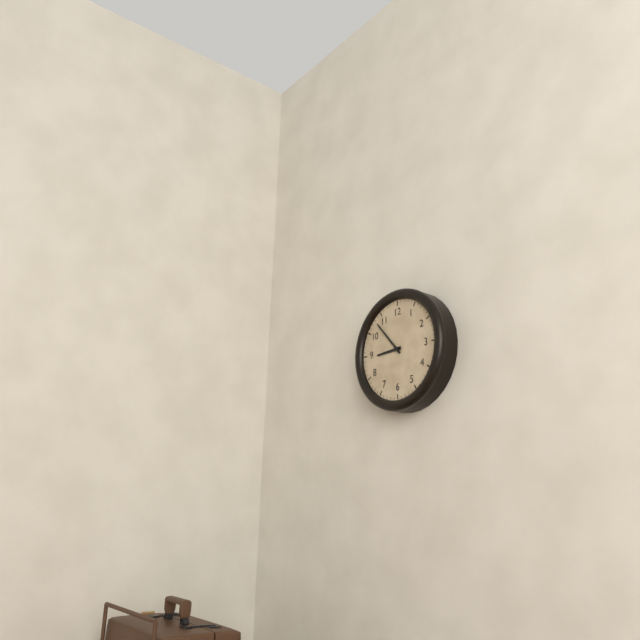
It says 8.53
